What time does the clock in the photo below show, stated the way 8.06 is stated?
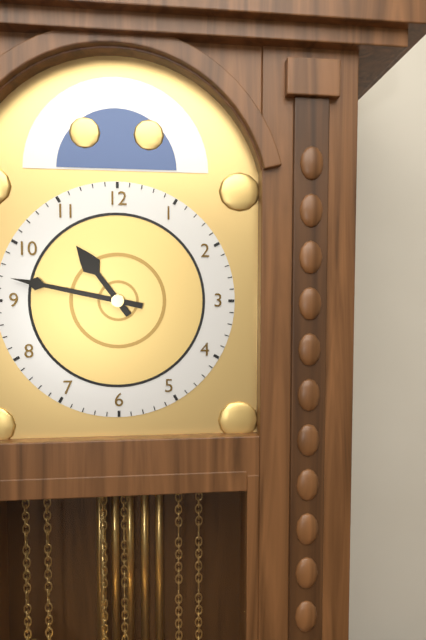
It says 10.47
